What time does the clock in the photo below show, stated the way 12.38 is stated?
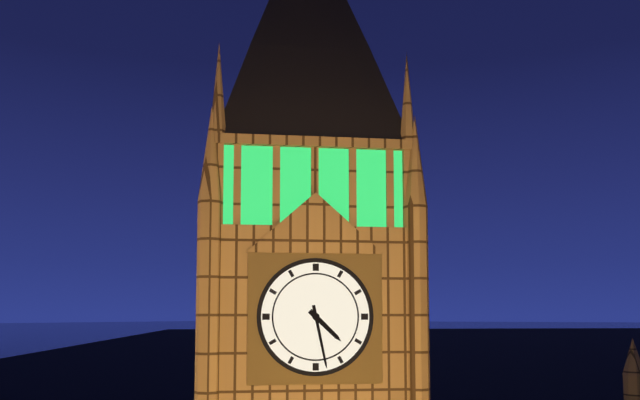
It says 4.28
